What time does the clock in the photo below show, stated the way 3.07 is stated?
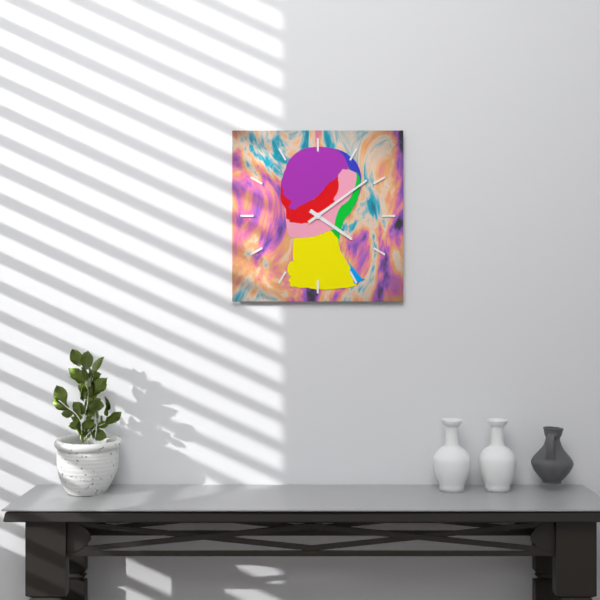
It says 4.09
